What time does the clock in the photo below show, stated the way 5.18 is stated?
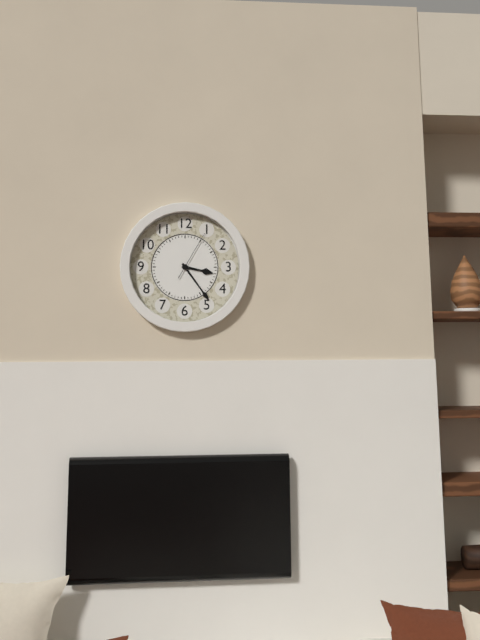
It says 3.24
